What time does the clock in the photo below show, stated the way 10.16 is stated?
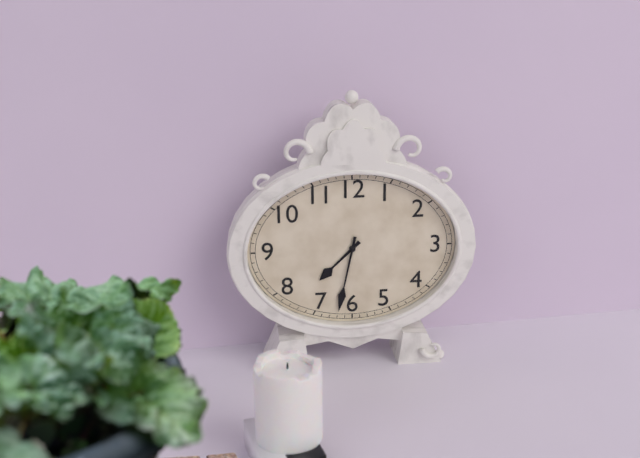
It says 7.32
